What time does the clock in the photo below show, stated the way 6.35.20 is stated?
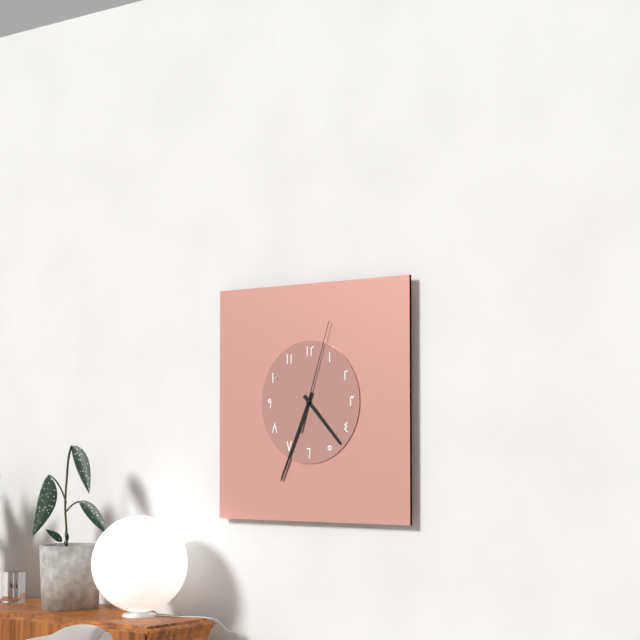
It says 4.34.03
